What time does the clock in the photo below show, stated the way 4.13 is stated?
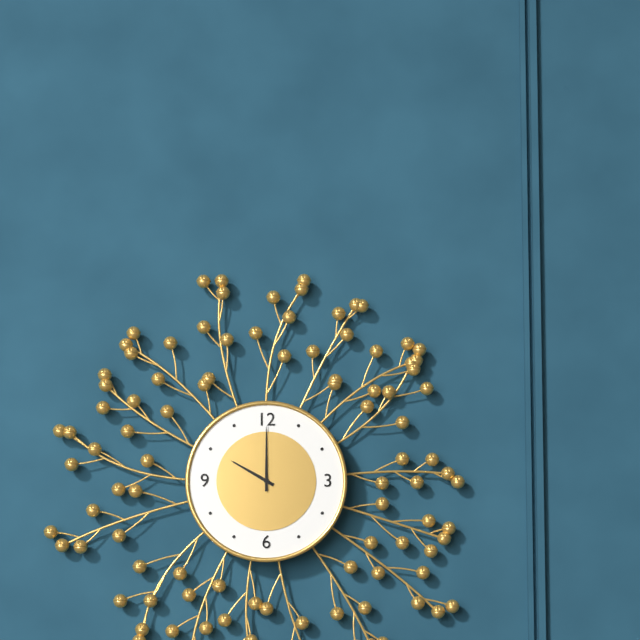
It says 10.00
